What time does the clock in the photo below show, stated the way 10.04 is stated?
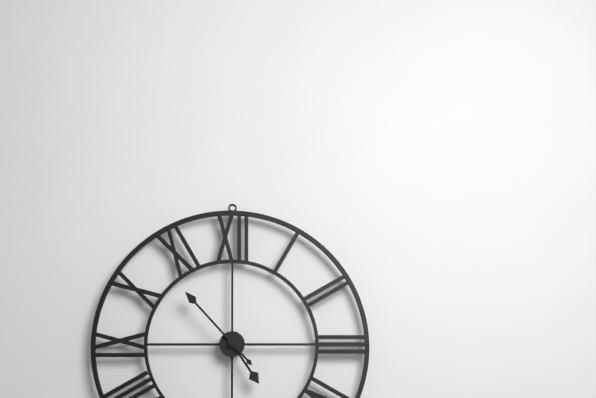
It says 4.53
